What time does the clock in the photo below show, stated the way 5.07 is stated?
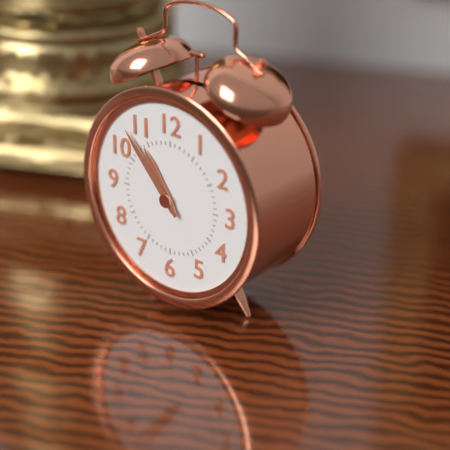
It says 10.53
